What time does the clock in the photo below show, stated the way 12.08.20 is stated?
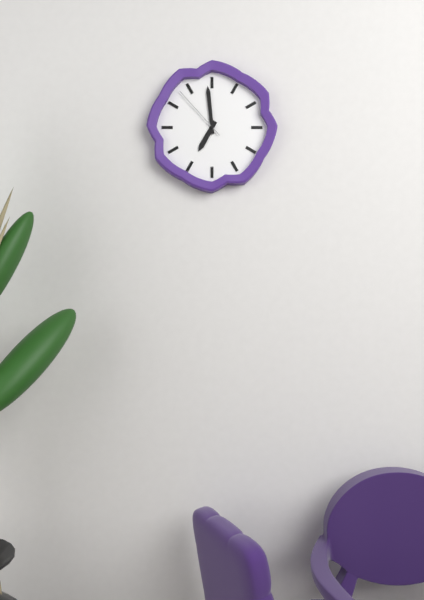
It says 6.59.53
